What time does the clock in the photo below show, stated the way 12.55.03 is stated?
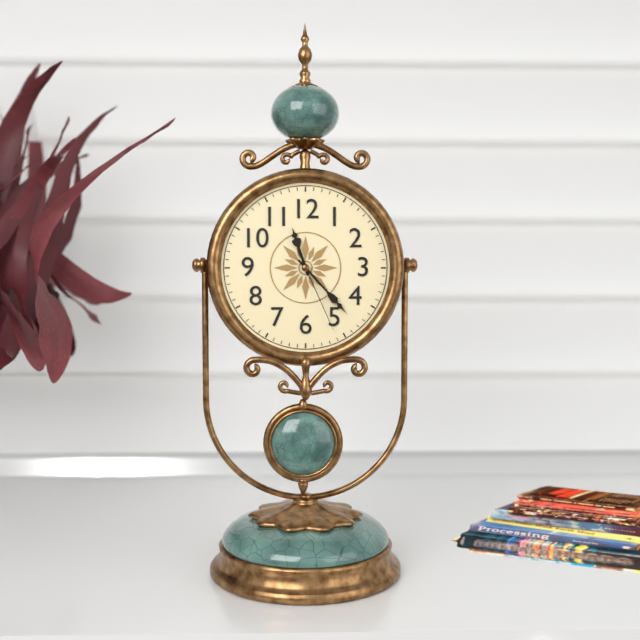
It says 11.23.26
